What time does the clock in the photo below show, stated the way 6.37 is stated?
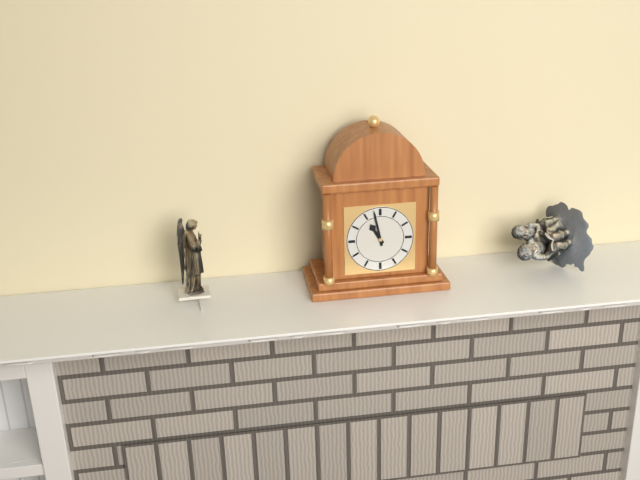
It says 10.58
